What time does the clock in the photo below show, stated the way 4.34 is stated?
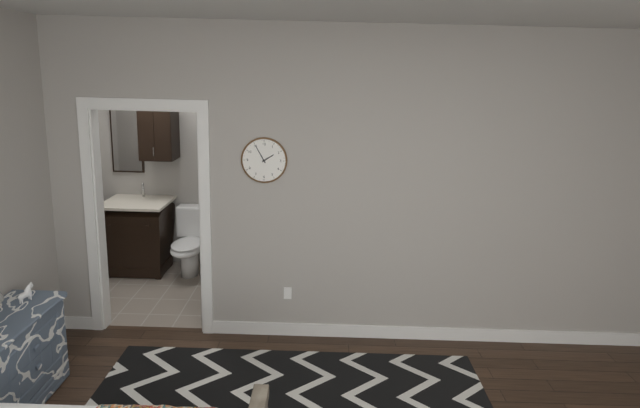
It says 1.55
